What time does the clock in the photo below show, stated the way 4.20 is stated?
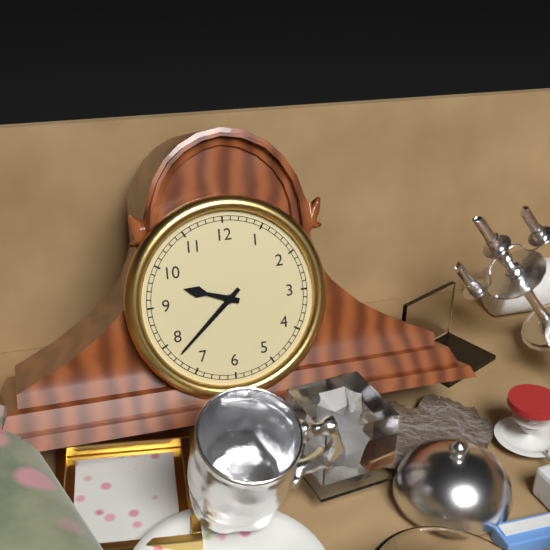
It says 9.38
